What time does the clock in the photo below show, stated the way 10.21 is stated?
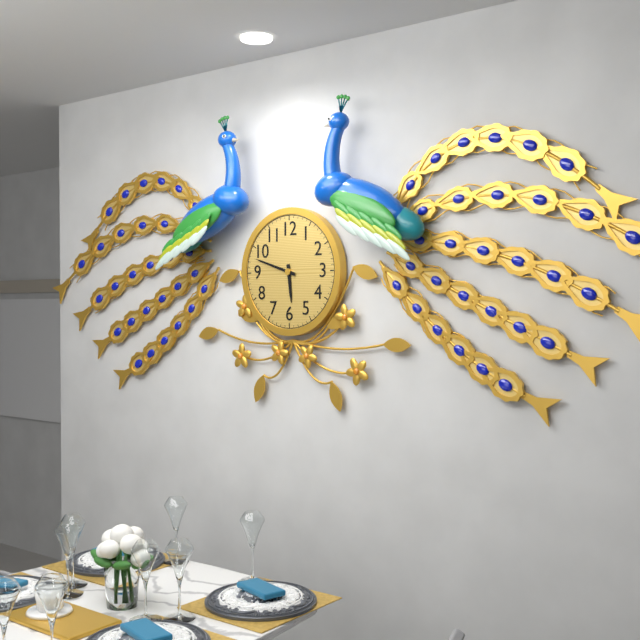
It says 5.48
